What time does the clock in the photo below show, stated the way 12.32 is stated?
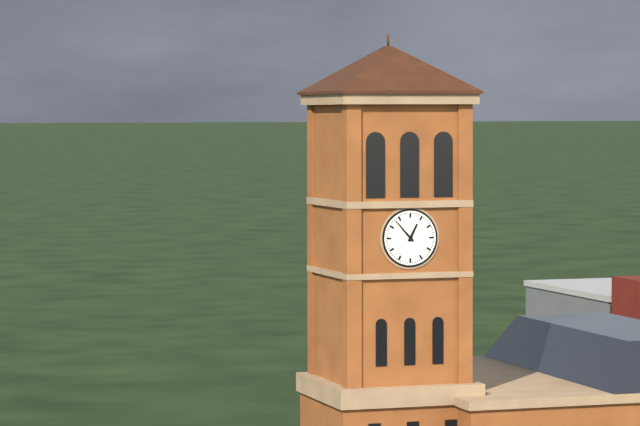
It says 12.53
